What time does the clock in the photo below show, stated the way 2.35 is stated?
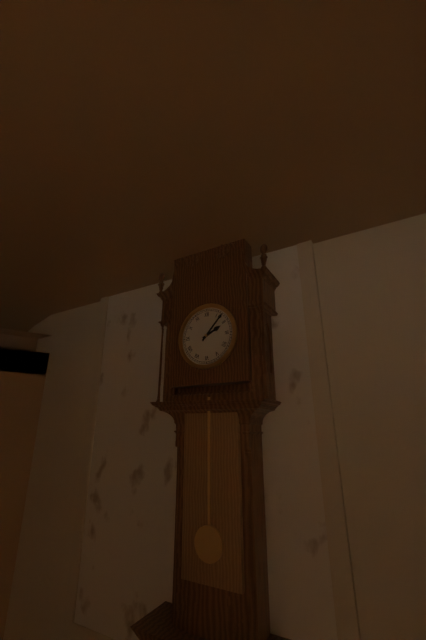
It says 2.07
